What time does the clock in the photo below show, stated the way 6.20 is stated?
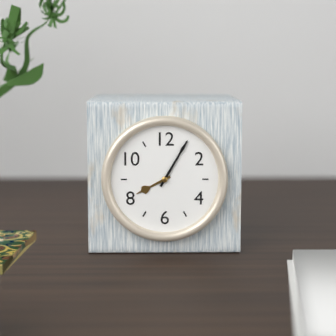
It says 8.05
